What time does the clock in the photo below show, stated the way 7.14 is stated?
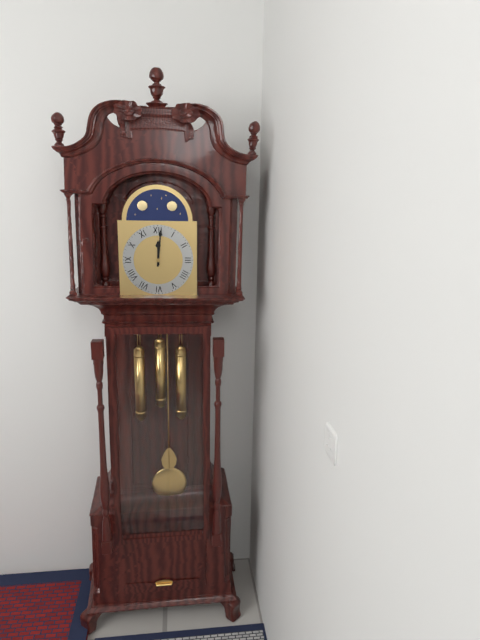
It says 12.01
